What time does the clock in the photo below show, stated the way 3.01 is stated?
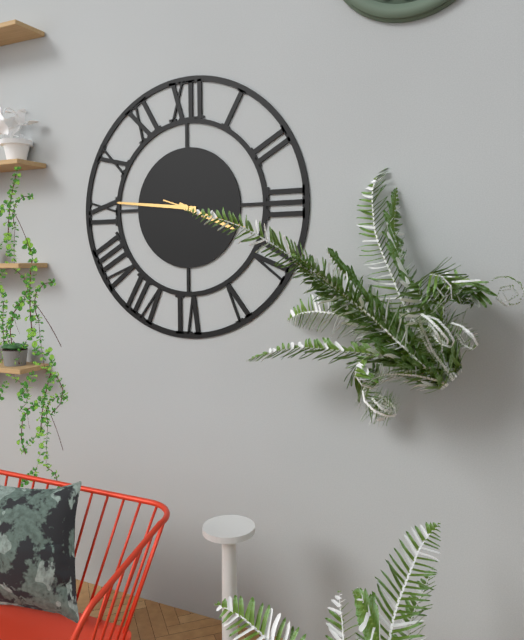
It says 3.46
